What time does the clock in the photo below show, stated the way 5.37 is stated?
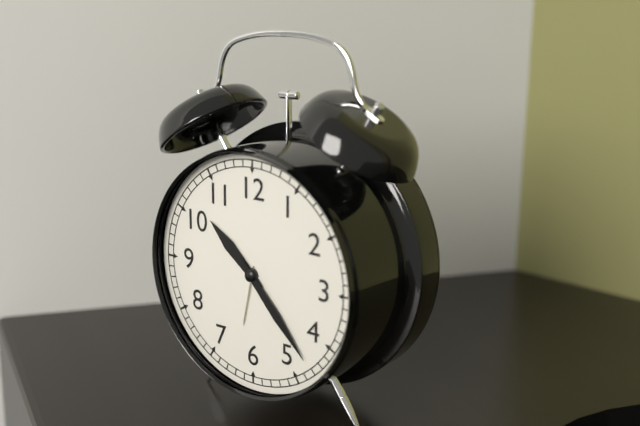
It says 10.23
